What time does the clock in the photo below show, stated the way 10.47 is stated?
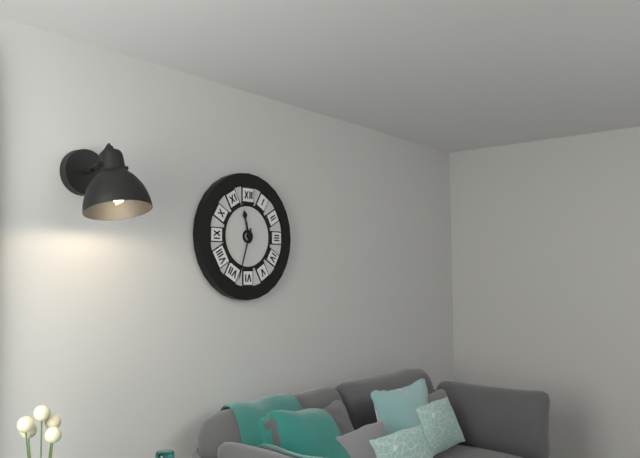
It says 11.33
